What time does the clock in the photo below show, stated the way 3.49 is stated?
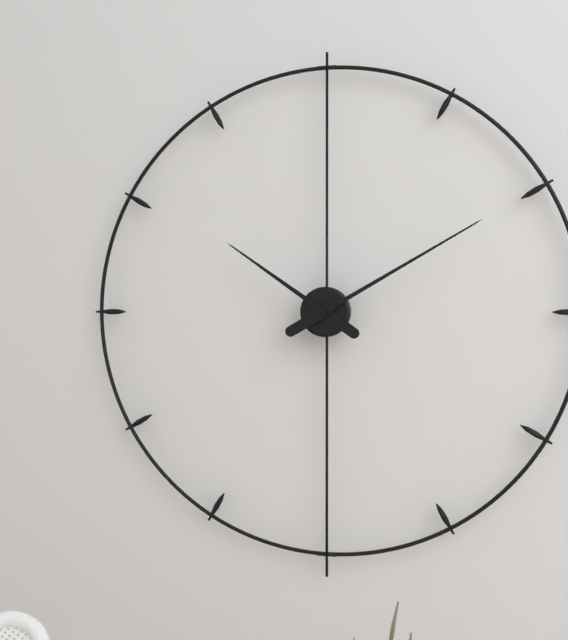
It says 10.10
